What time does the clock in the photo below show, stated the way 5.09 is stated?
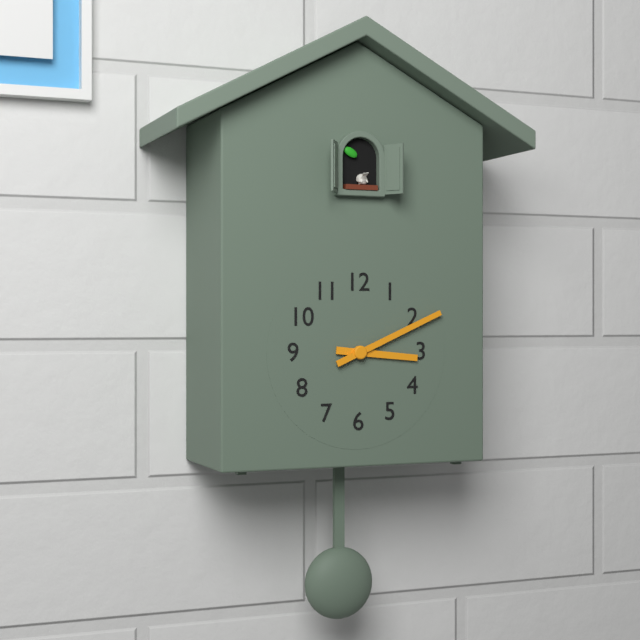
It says 3.11
